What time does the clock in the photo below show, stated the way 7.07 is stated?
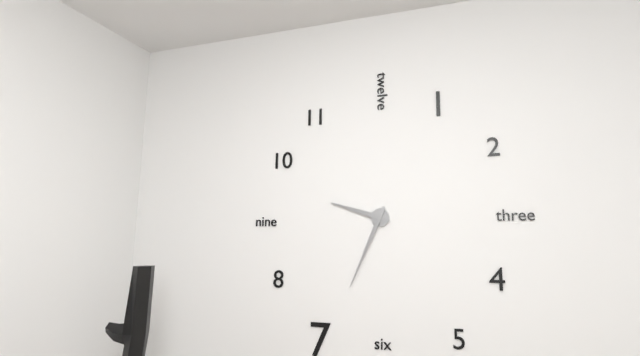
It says 9.34
